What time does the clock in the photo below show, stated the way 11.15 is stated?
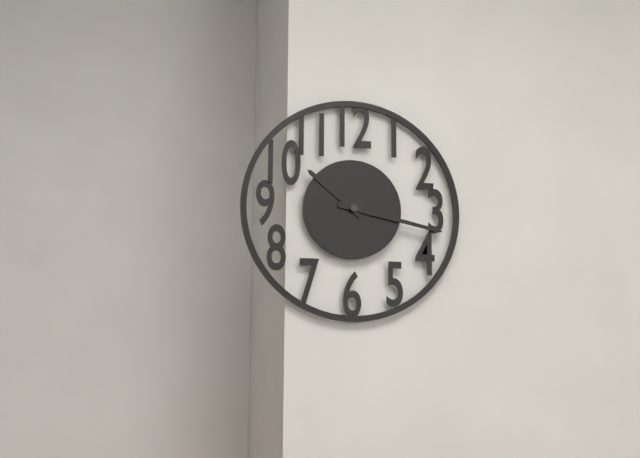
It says 10.17
